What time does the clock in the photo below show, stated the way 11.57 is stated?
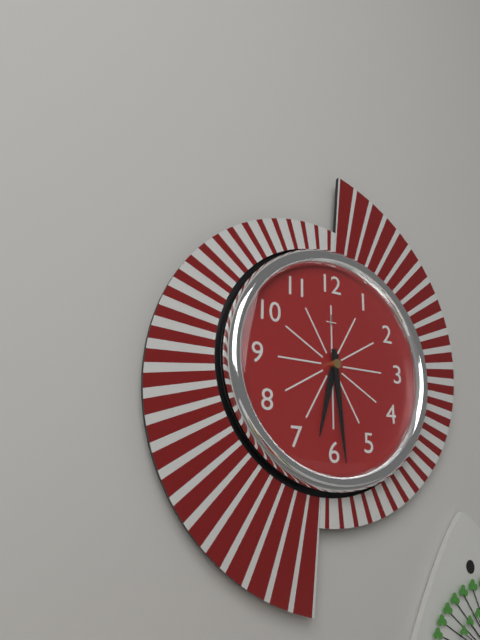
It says 6.29
